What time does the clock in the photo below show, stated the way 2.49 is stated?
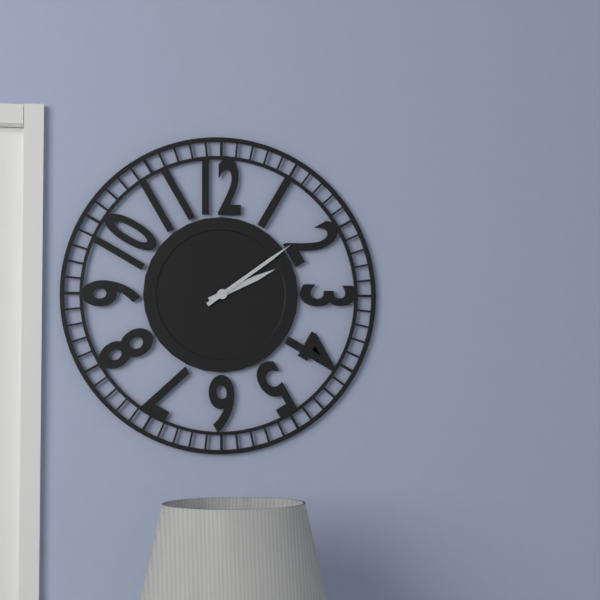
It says 2.09
